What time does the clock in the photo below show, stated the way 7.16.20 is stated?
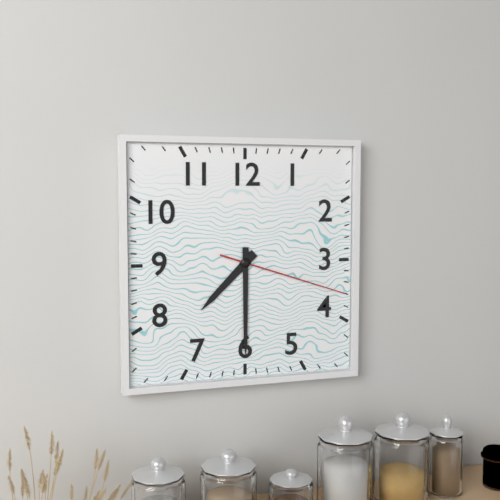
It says 7.30.18
